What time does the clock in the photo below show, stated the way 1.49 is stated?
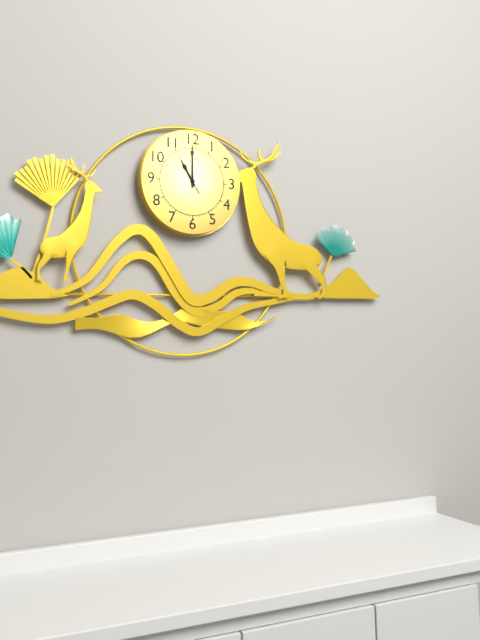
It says 11.00
